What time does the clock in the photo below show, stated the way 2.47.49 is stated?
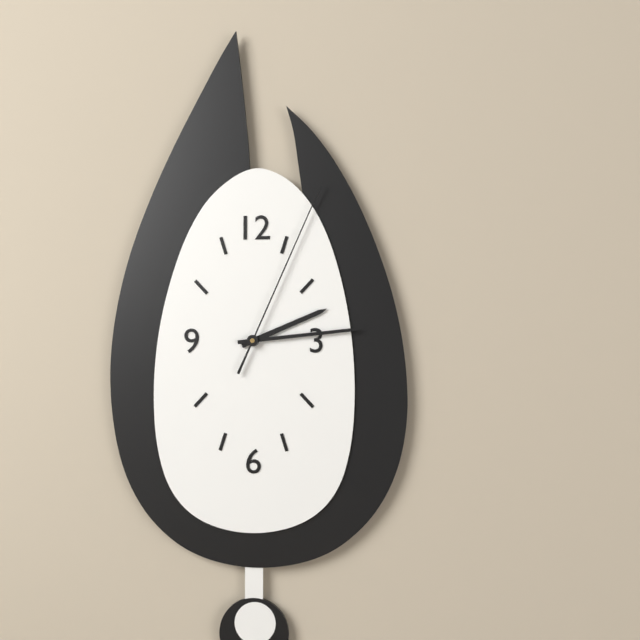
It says 2.14.04
